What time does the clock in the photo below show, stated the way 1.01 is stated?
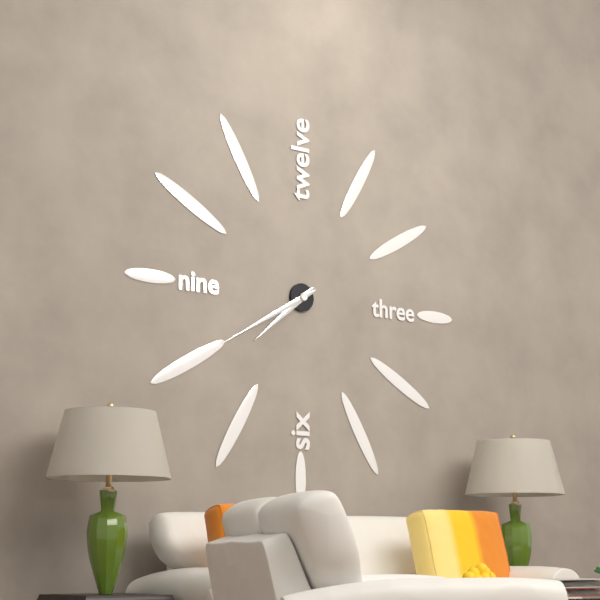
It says 7.40
